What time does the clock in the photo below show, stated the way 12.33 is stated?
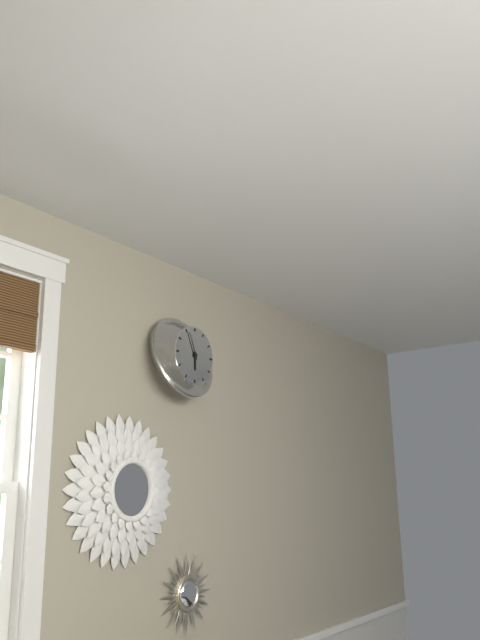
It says 5.56
